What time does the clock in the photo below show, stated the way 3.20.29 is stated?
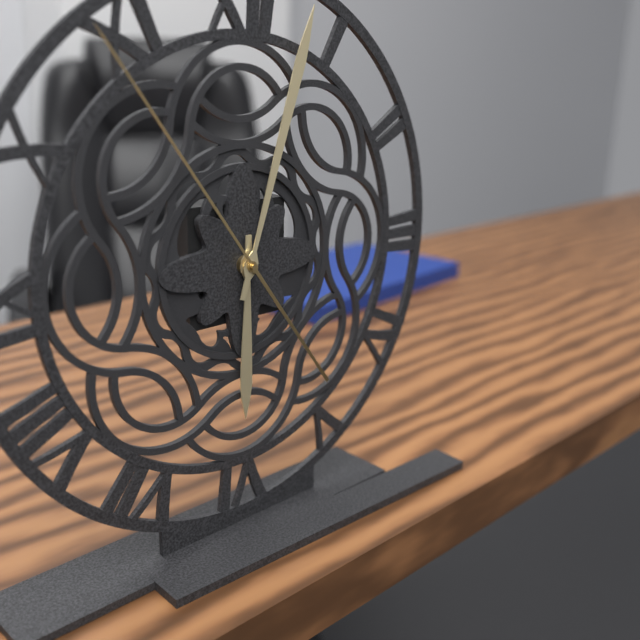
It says 6.03.54
